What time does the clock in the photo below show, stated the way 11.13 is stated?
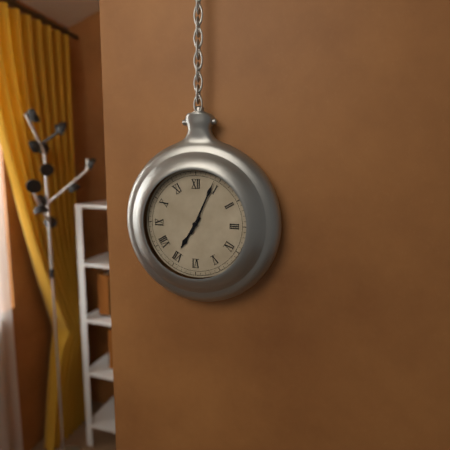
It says 7.04
